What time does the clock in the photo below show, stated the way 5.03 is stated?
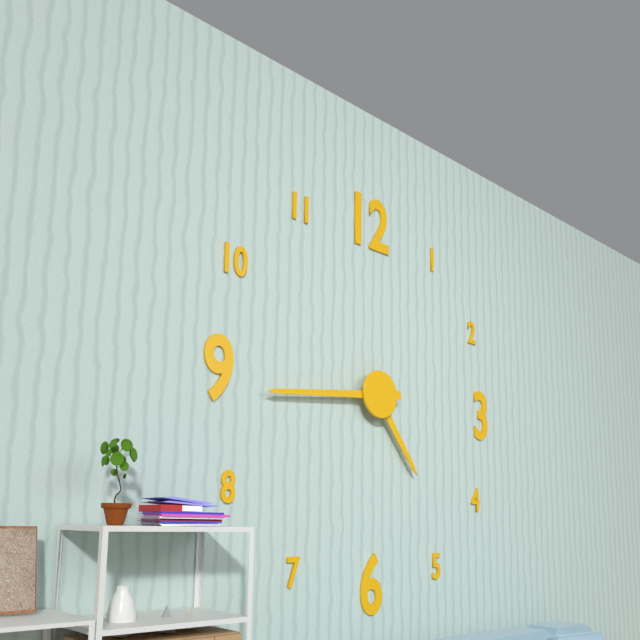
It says 4.44
